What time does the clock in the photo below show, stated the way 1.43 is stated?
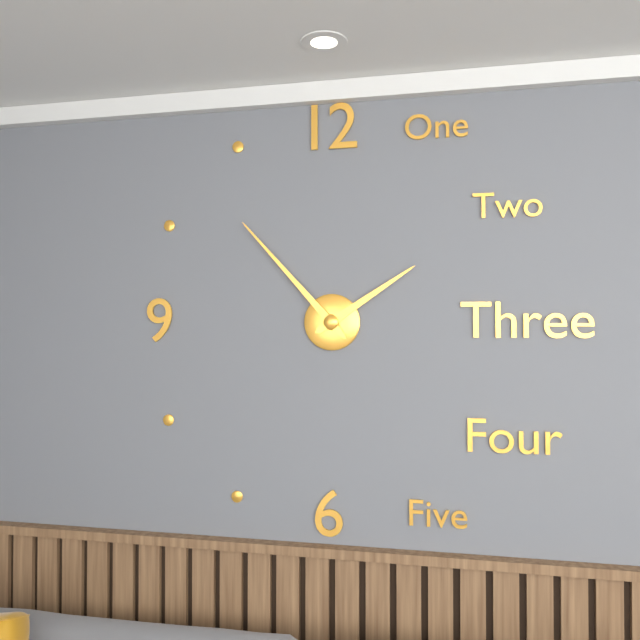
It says 1.53
